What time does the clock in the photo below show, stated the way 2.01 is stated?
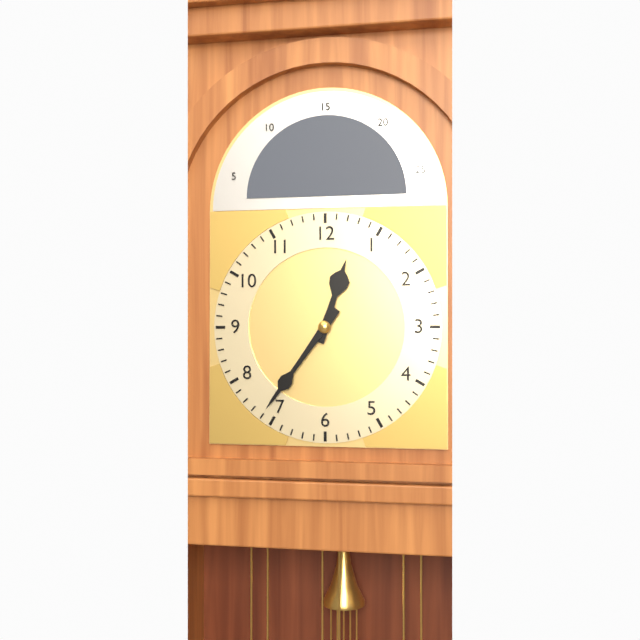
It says 12.36
